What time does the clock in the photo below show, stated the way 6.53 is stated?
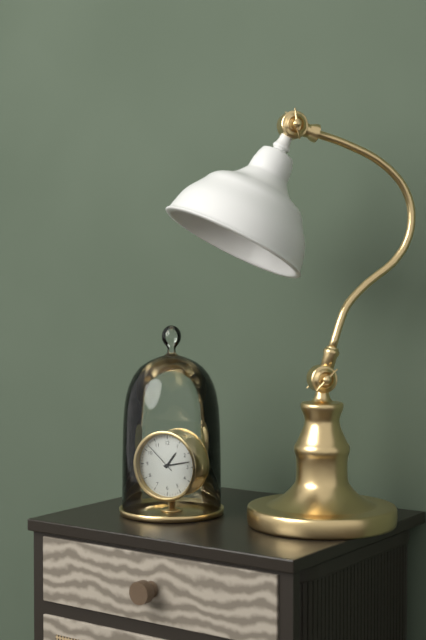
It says 1.13
